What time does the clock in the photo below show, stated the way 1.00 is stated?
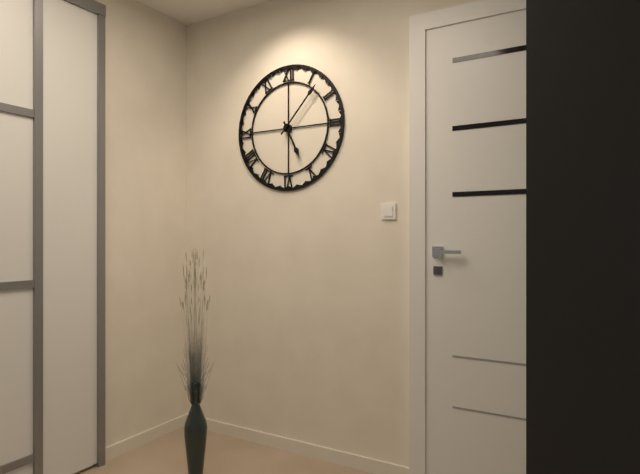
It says 5.07
